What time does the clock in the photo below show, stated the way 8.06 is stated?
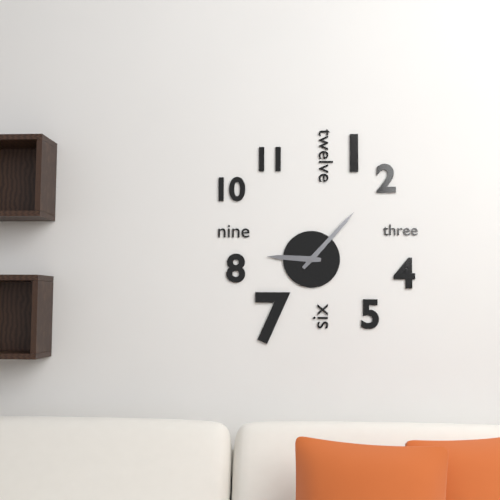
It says 9.07
